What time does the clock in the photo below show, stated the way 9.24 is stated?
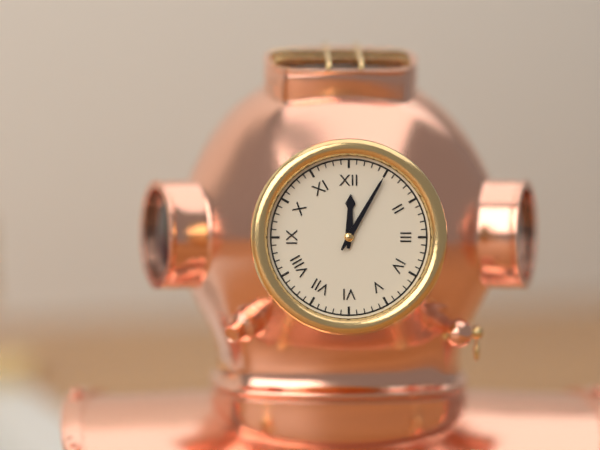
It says 12.05
